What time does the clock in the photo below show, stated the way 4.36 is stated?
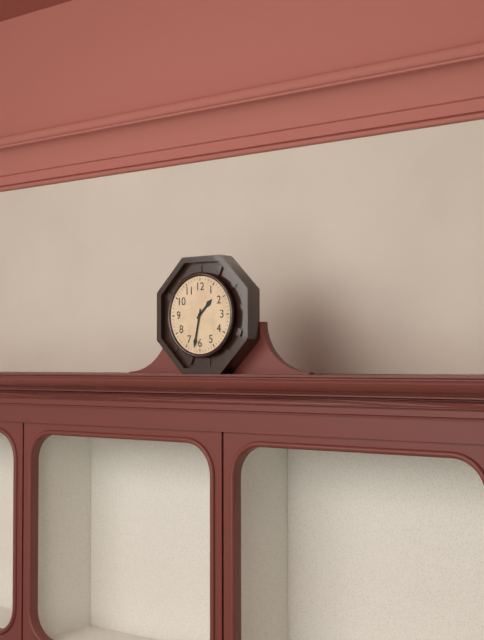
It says 1.32
